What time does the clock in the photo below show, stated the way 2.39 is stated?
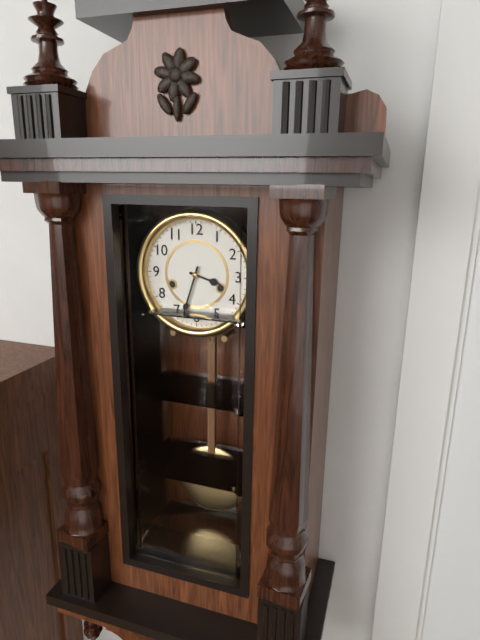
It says 3.33
